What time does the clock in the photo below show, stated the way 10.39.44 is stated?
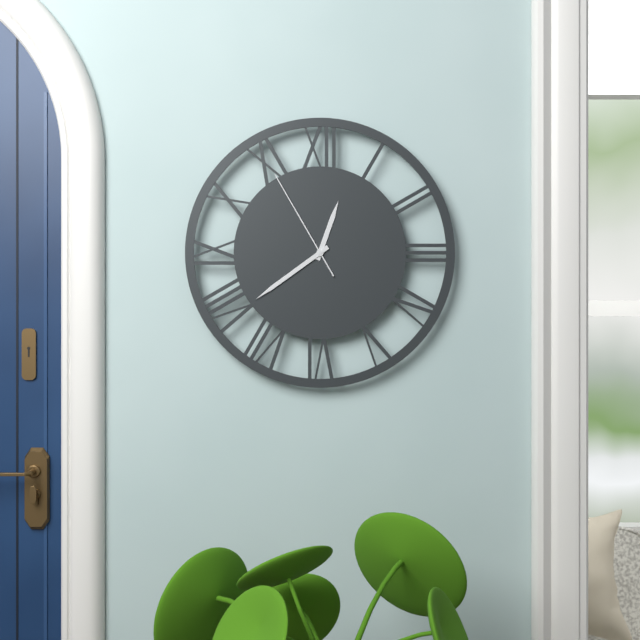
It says 12.39.55
